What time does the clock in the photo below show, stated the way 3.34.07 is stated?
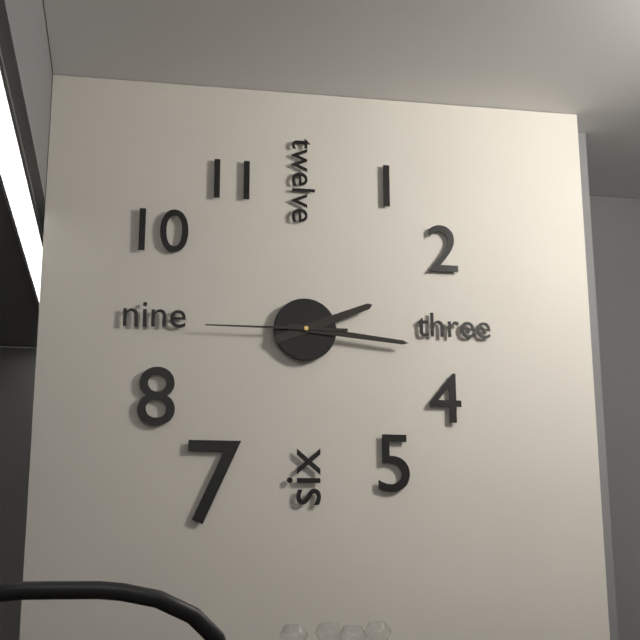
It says 2.16.45
